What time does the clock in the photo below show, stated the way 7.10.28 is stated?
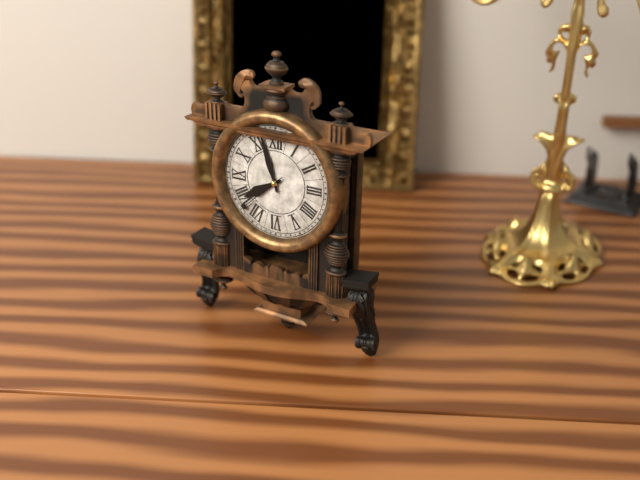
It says 7.57.38
